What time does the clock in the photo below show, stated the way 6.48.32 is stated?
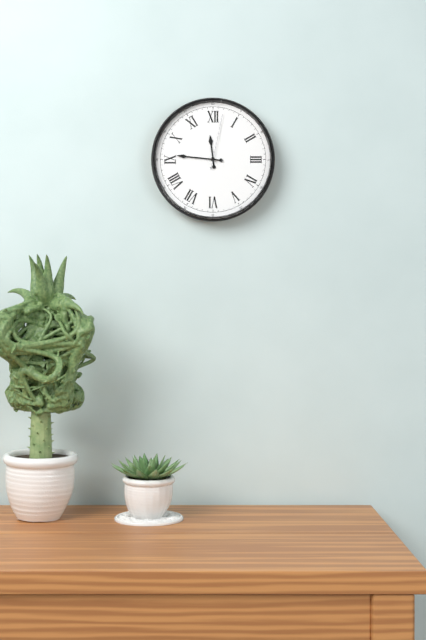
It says 11.46.02
